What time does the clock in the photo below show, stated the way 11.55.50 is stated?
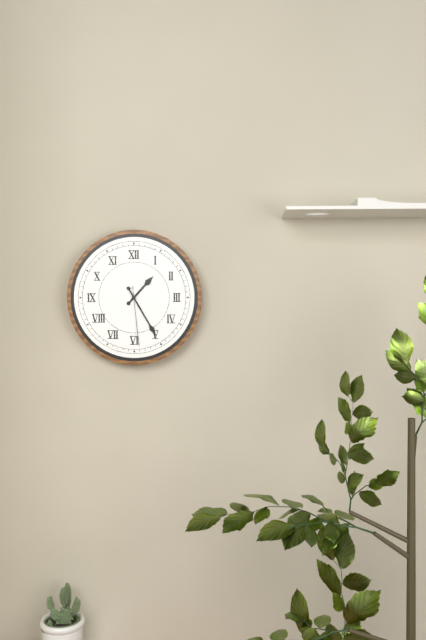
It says 1.25.29
